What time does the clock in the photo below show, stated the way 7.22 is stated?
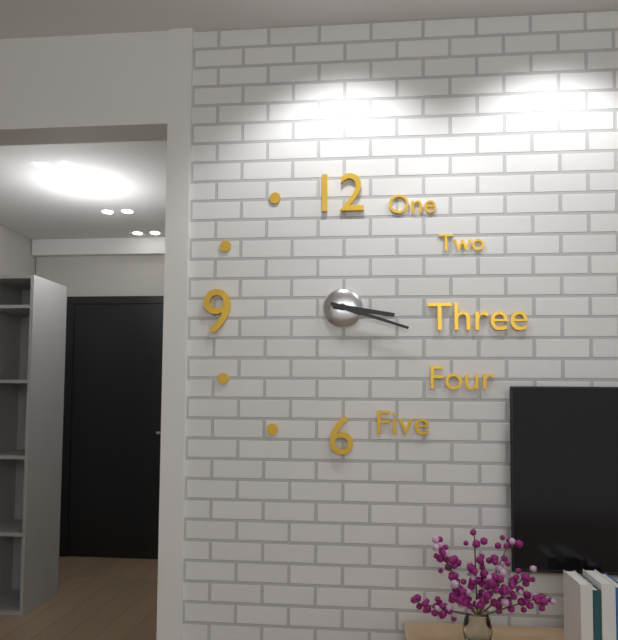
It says 3.18
